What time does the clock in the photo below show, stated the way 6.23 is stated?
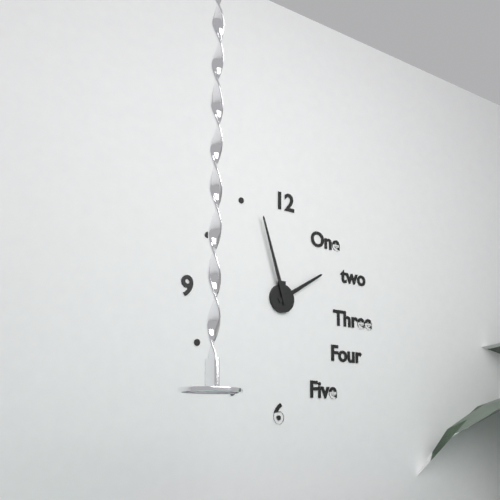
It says 1.57
